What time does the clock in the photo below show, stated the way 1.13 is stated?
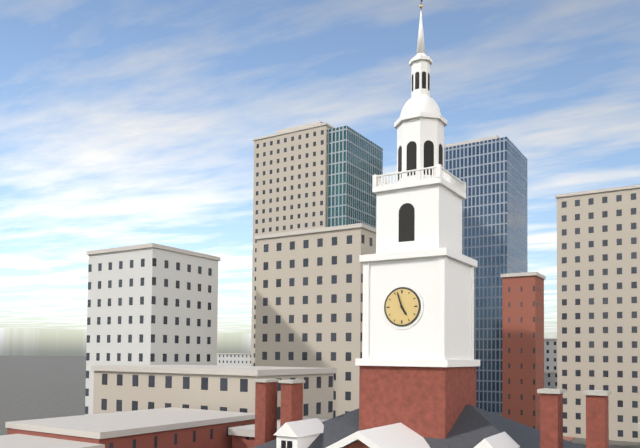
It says 4.57
